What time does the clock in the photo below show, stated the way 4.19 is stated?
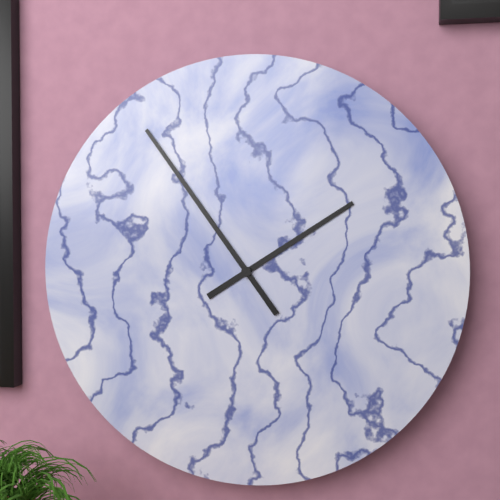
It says 1.54
